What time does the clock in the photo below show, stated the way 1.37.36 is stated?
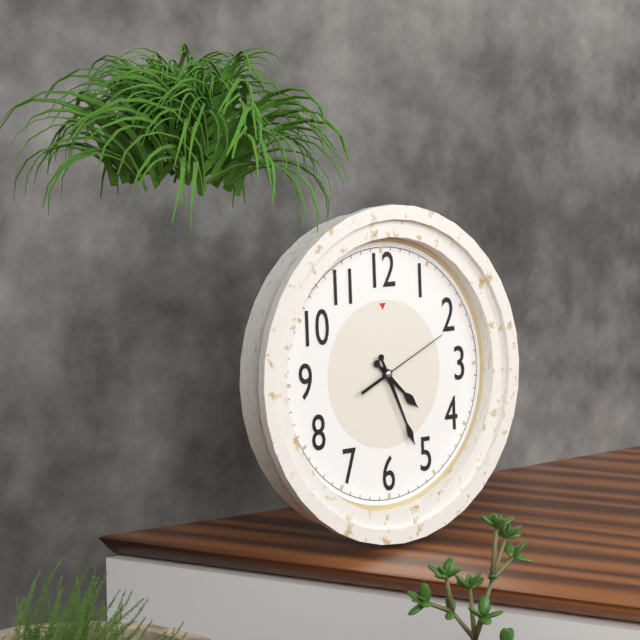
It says 4.26.11
